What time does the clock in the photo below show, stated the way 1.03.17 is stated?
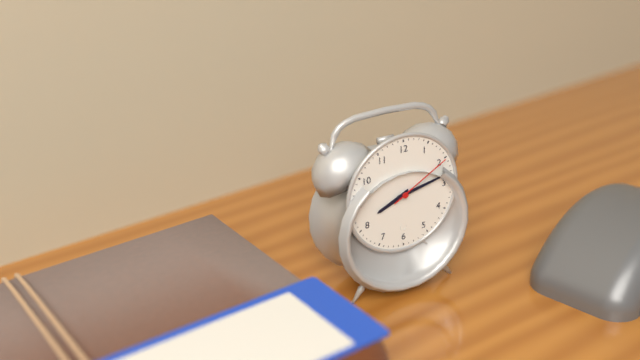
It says 8.13.10
